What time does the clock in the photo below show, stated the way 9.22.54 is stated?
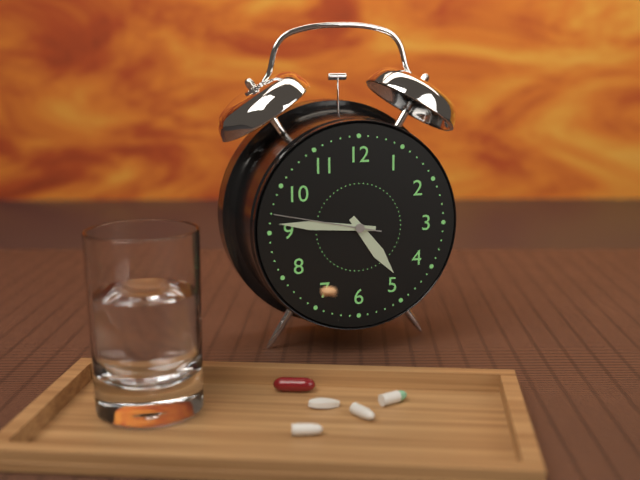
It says 4.46.47
